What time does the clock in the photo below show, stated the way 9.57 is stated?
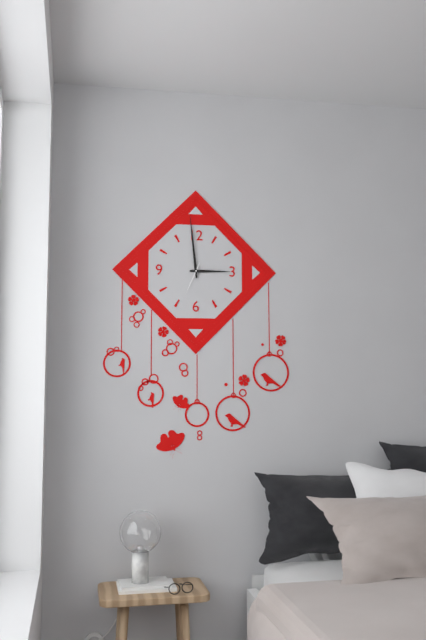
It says 2.59
